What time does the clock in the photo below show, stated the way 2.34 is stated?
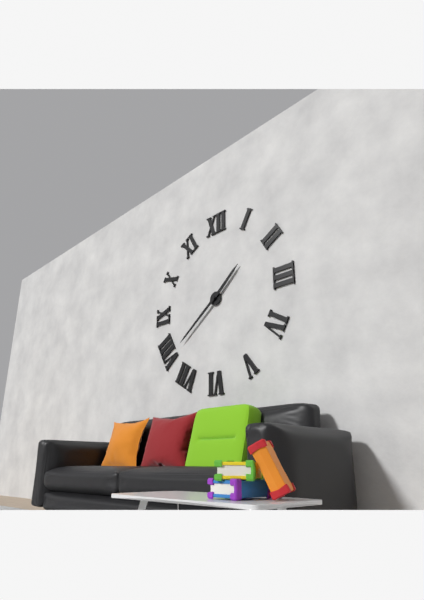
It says 1.39
